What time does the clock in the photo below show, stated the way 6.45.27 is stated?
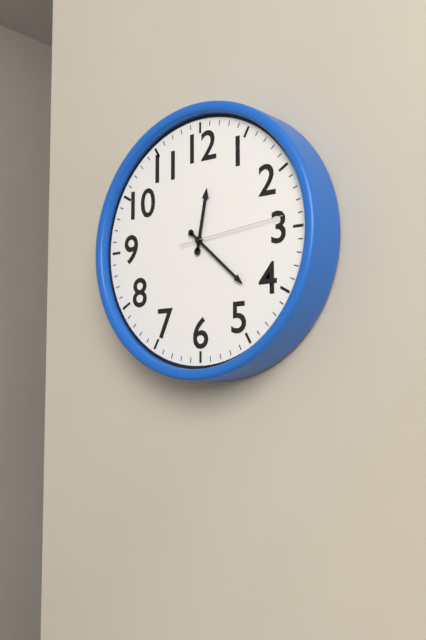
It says 12.22.14
